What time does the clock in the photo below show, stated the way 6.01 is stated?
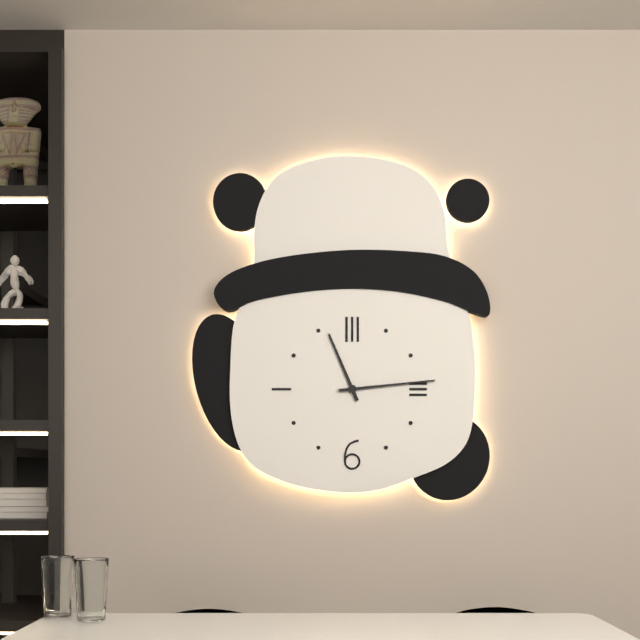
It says 11.14
